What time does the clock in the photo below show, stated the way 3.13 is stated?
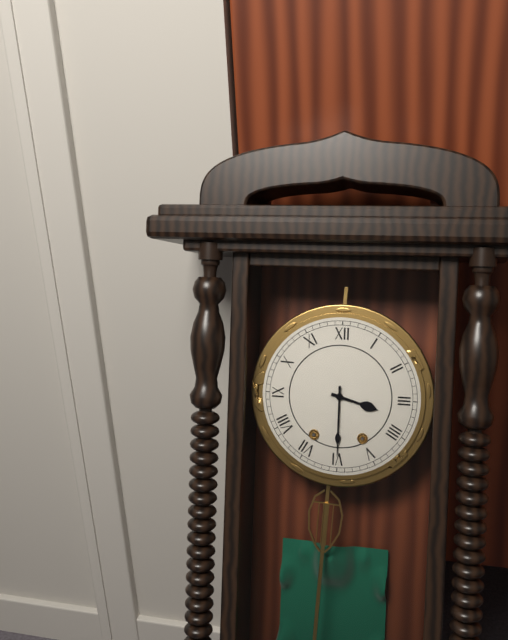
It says 3.30
